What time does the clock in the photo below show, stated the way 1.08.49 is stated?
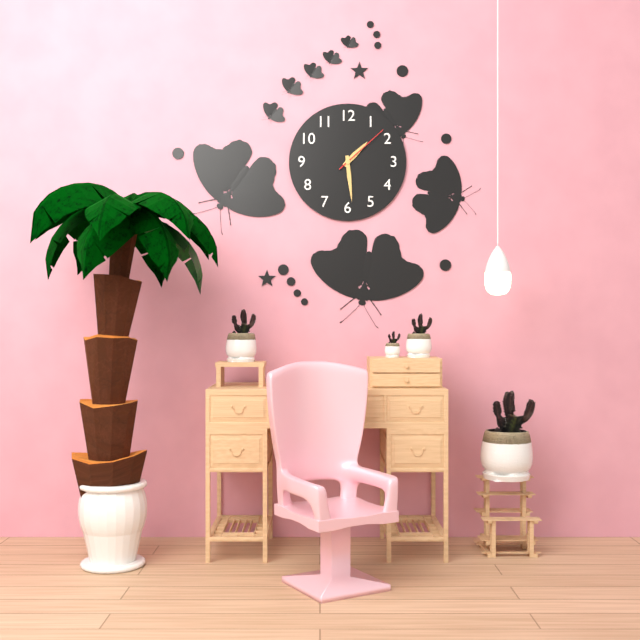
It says 1.29.08
